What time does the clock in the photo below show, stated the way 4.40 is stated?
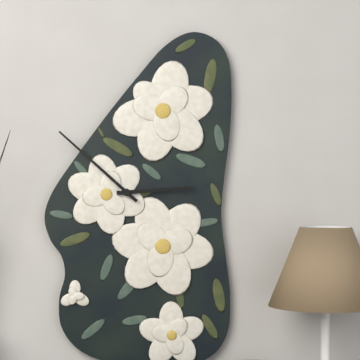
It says 2.52
